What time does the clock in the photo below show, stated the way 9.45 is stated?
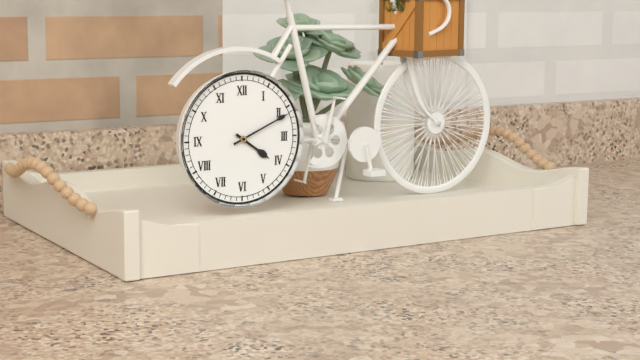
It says 4.11
